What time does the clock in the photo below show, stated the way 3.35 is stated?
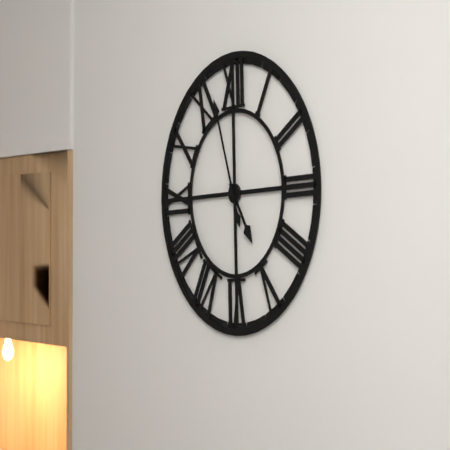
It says 4.57
